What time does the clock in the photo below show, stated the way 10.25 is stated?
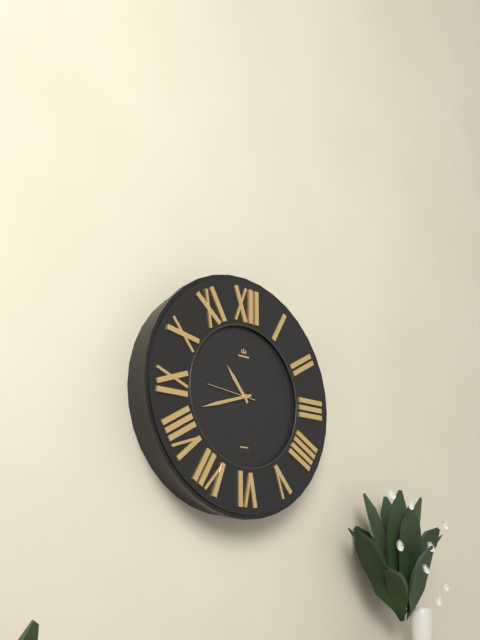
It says 10.42
